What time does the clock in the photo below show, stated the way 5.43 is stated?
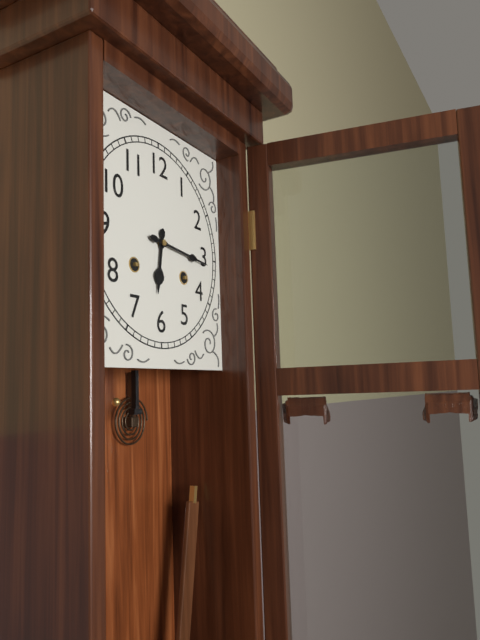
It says 6.16
